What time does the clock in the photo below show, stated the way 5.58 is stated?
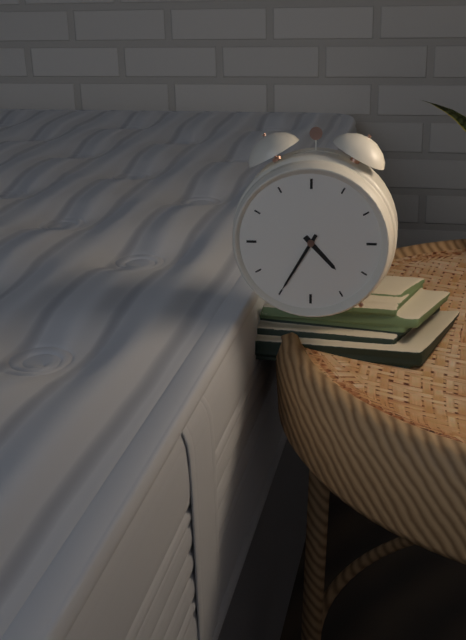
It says 4.35
